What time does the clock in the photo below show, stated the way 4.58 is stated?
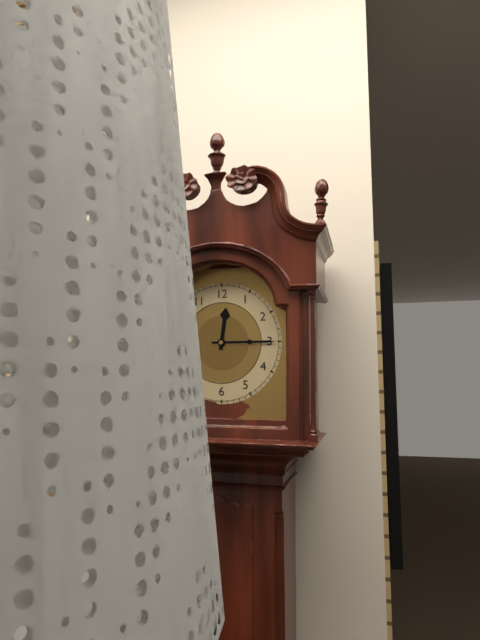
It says 12.15
